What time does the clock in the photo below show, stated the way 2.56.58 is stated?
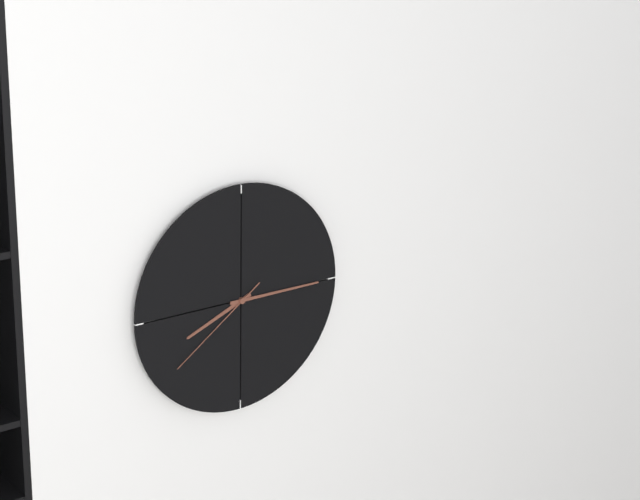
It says 8.15.39
